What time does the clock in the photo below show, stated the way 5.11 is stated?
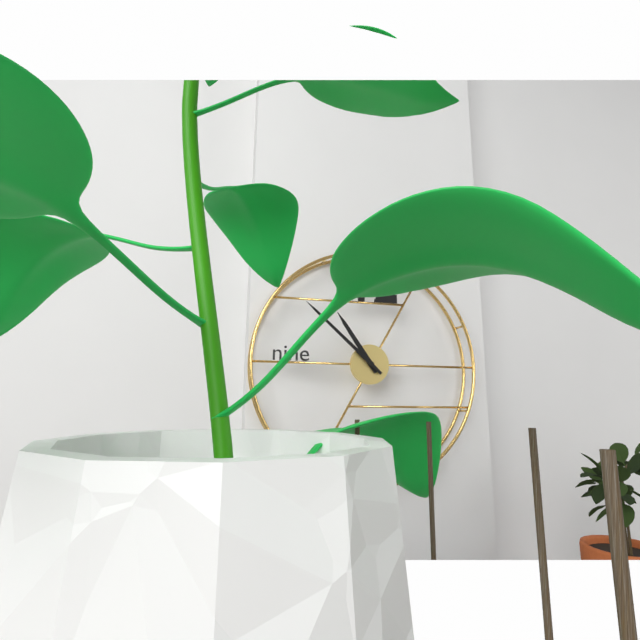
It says 10.52
